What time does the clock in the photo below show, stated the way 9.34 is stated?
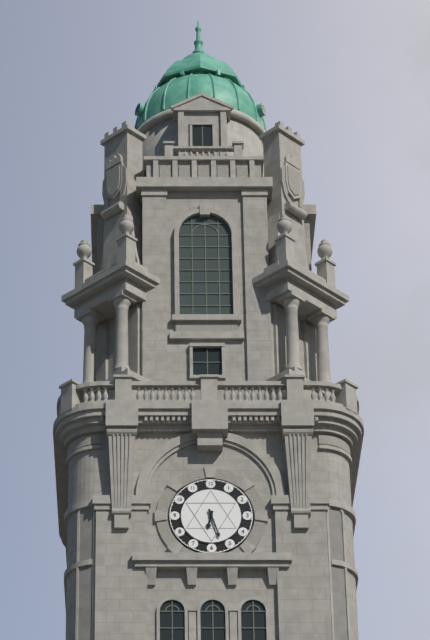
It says 6.27
